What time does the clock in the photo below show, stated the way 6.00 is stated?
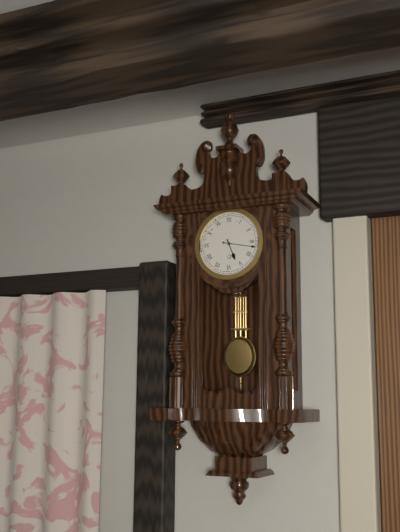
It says 5.17
